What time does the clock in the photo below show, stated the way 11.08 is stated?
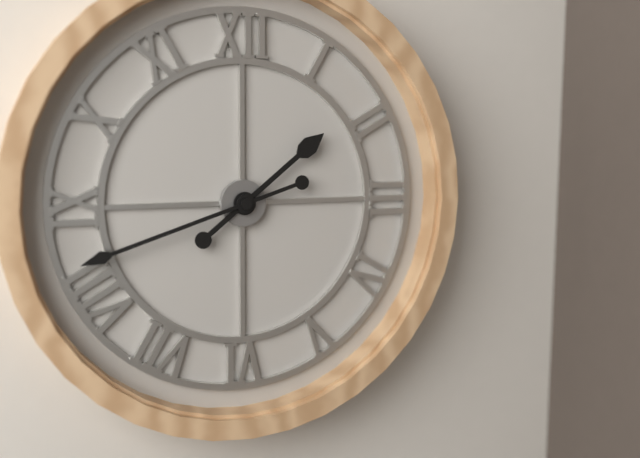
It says 1.42
